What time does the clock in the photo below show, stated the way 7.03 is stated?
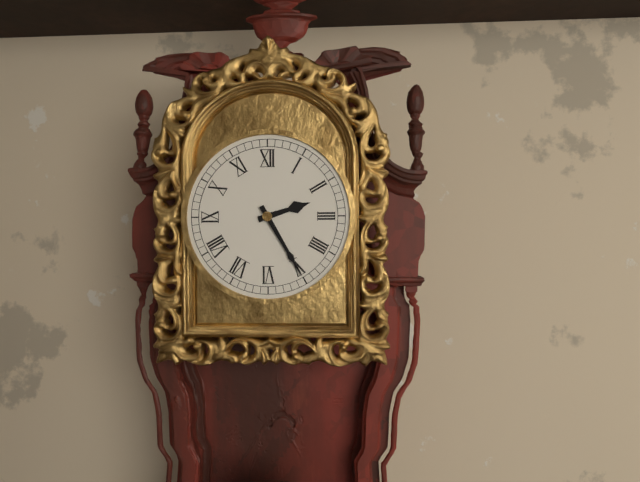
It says 2.25
